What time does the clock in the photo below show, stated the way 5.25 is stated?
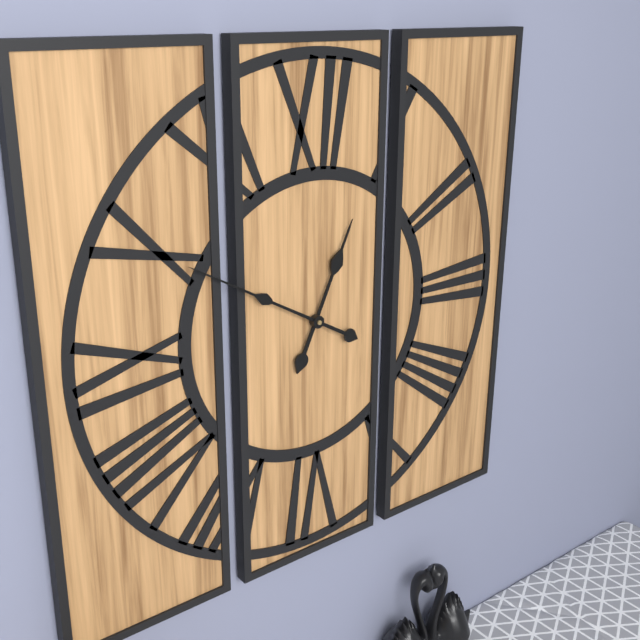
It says 12.50
